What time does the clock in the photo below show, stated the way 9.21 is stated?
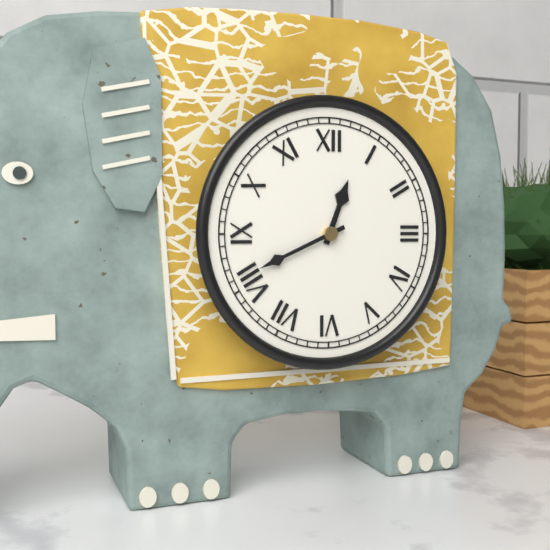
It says 12.41
